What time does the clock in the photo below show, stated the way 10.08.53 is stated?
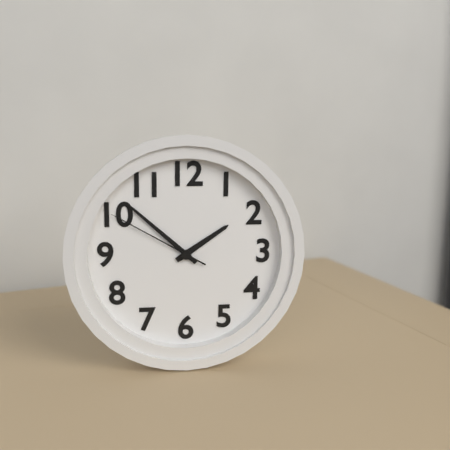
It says 1.52.50
